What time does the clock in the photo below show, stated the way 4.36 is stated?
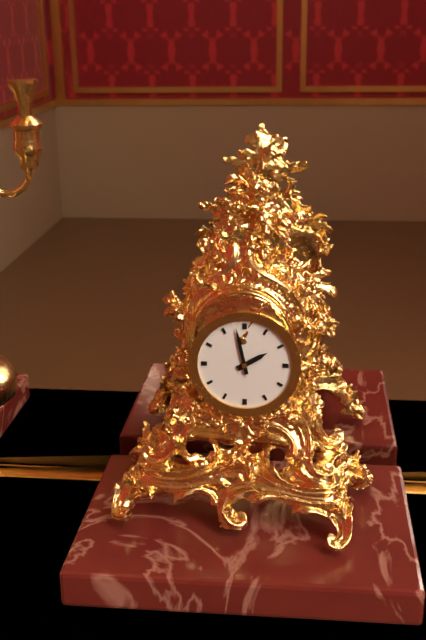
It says 1.58
